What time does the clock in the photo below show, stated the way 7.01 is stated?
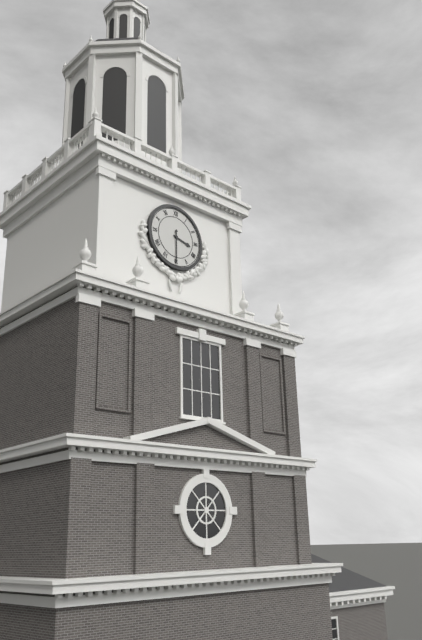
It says 3.30
